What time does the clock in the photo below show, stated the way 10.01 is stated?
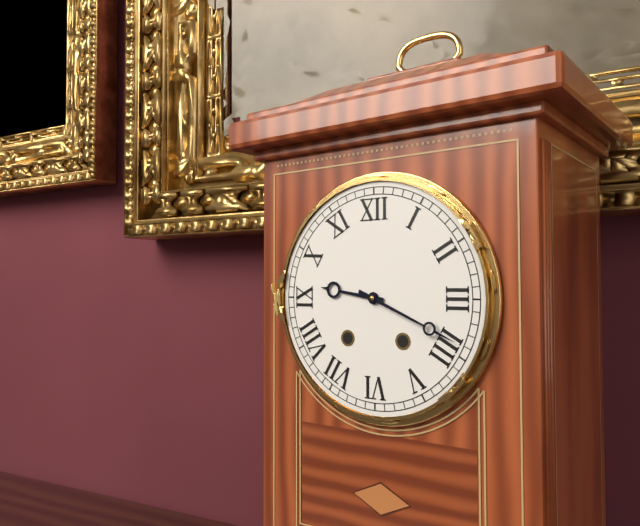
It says 9.19
